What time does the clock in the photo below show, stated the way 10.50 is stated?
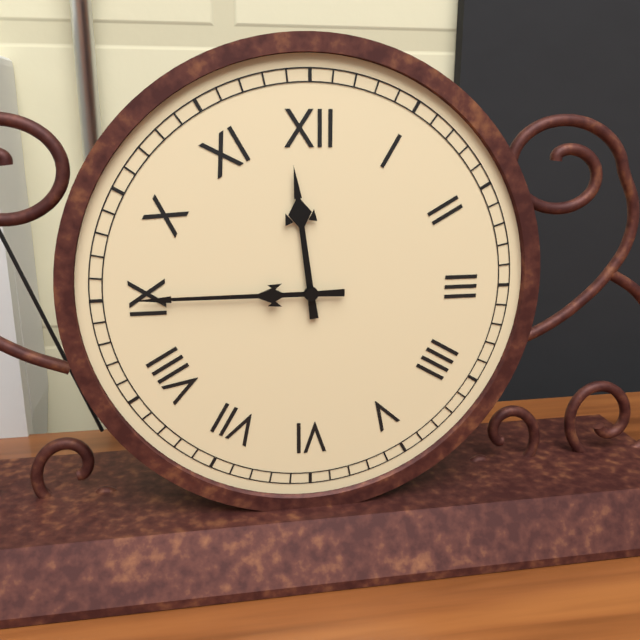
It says 11.45
